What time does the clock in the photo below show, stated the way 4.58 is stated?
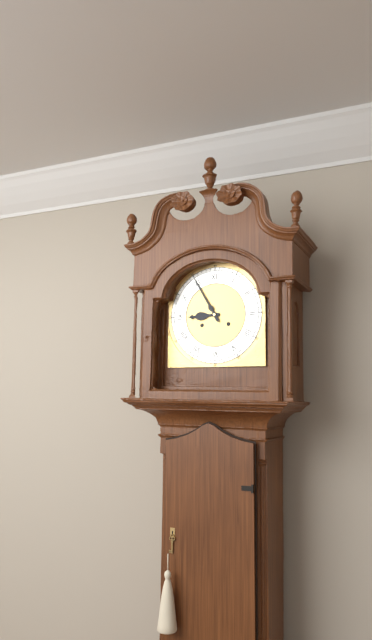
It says 8.55
